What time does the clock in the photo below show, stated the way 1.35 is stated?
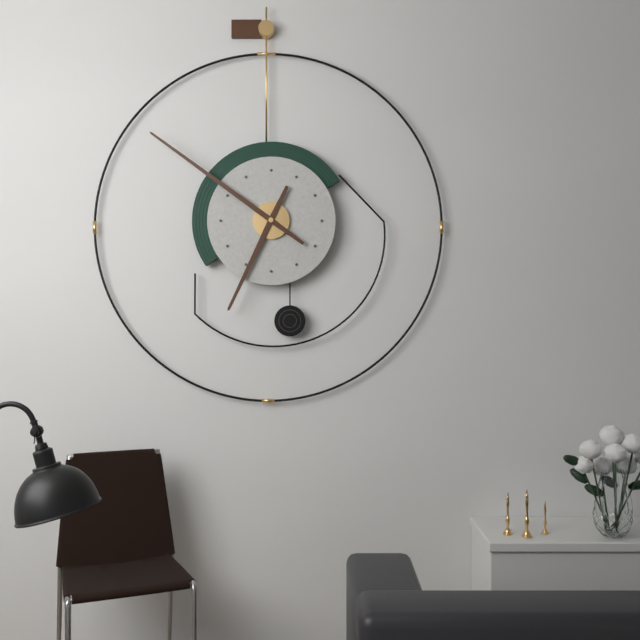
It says 6.51
